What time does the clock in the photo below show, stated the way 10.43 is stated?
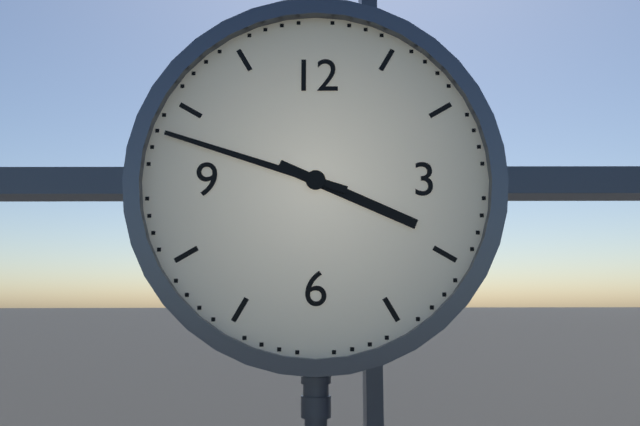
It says 3.48
